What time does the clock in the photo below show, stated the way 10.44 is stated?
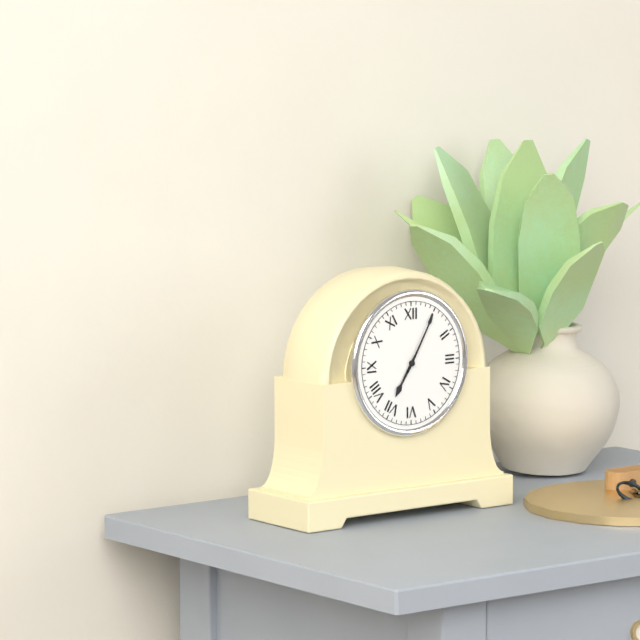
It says 7.05
